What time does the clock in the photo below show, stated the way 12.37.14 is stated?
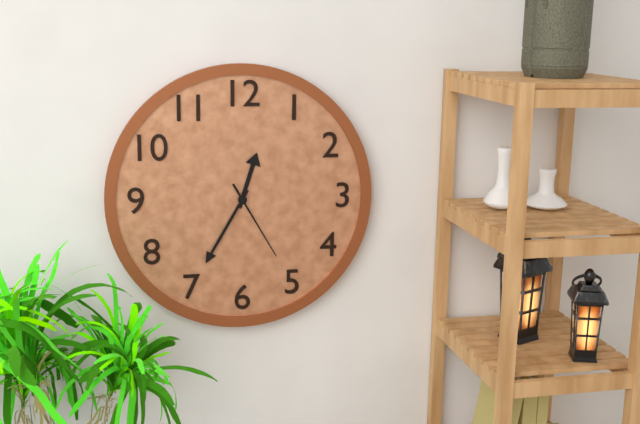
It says 12.35.25
